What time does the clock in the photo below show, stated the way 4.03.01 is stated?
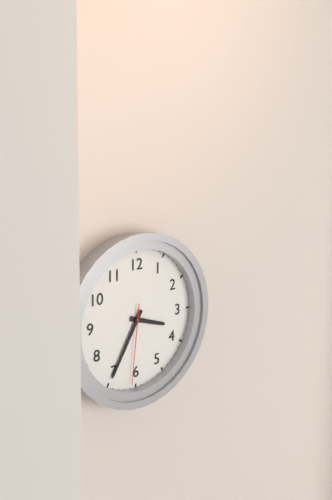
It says 3.35.31
